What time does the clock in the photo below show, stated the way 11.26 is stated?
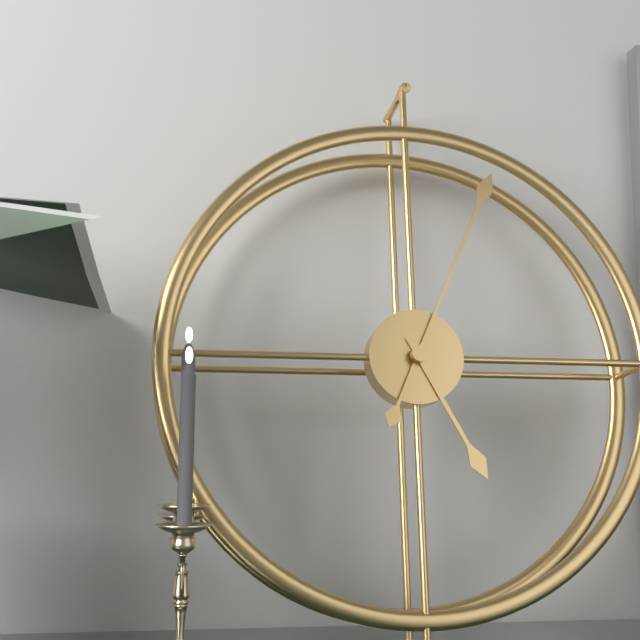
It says 5.04
